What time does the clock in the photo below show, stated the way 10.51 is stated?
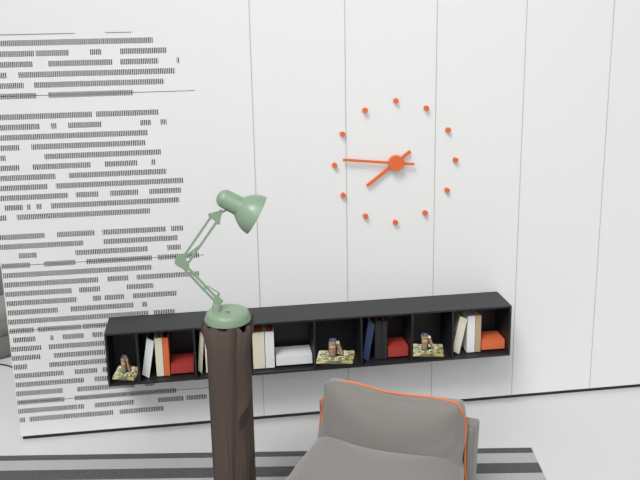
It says 7.46
